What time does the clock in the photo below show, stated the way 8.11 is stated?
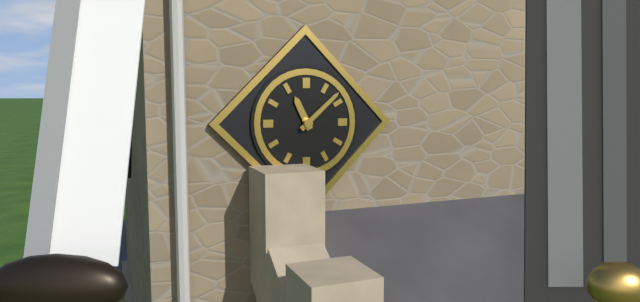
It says 11.08
